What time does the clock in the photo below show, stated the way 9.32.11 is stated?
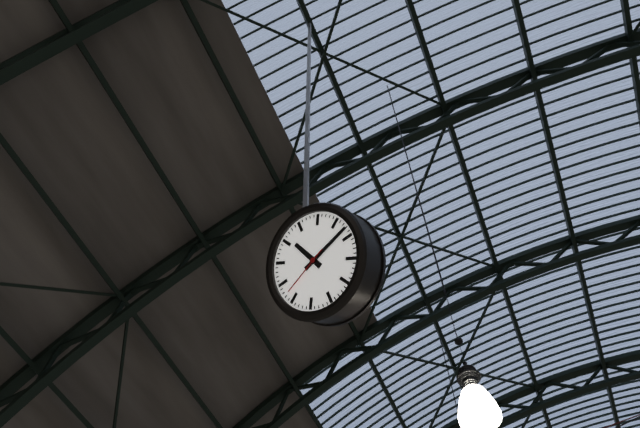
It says 11.13.42
